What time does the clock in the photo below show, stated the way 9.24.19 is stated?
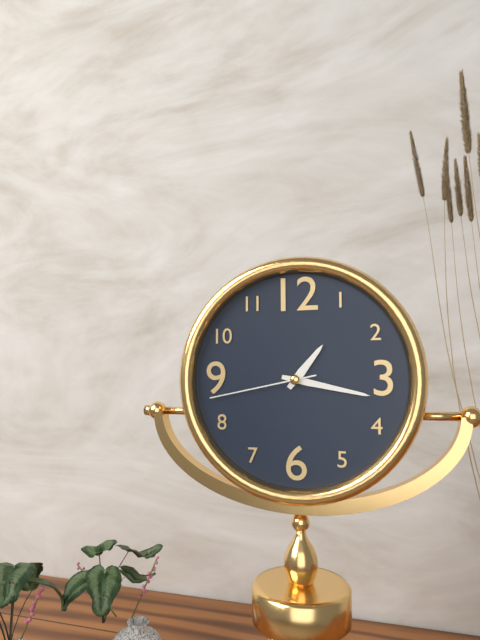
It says 1.17.43
